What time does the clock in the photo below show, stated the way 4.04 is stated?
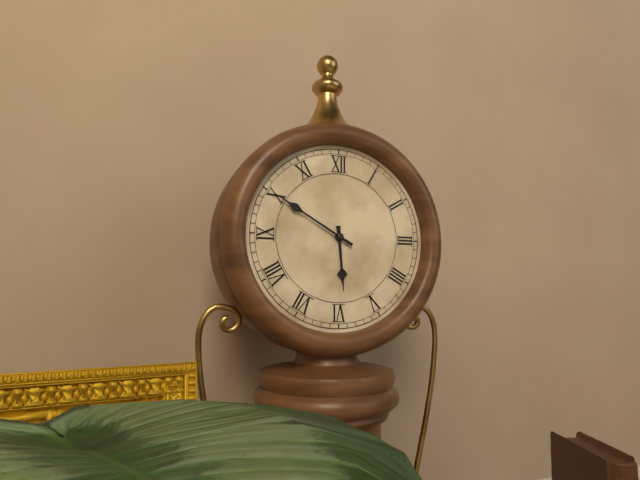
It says 5.50
